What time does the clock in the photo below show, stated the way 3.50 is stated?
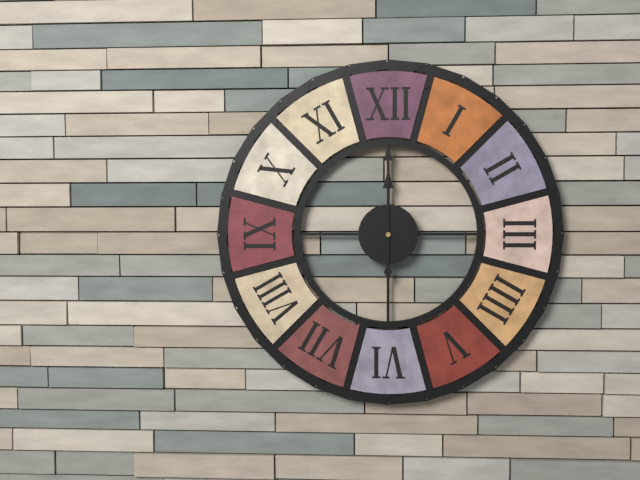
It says 12.00
